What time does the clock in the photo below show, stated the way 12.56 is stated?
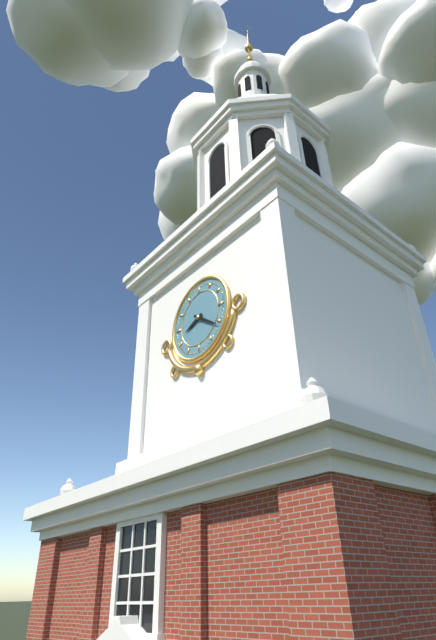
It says 8.21
